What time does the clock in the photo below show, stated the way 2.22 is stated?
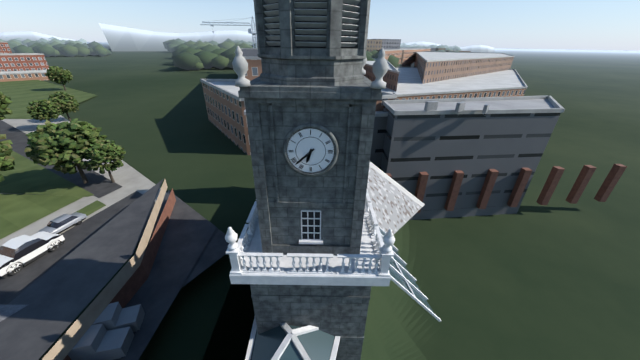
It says 6.38
